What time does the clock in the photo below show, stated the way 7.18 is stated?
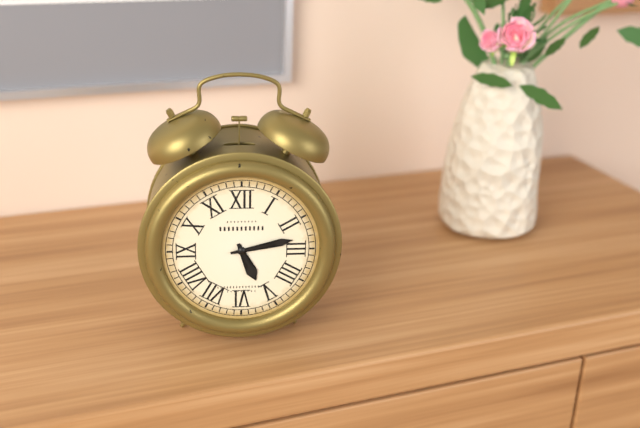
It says 5.13
